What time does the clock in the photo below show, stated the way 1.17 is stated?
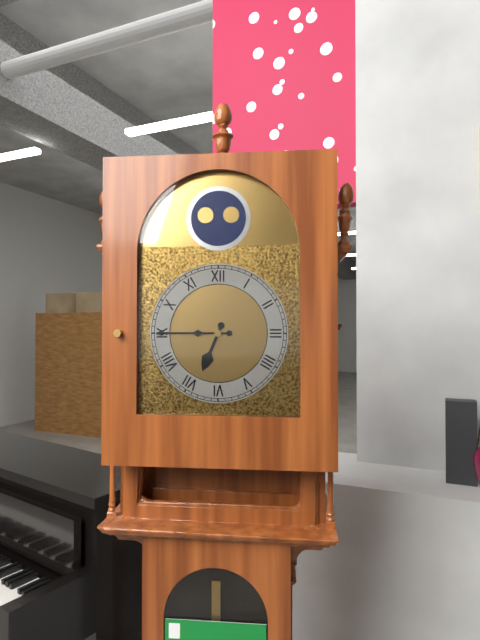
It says 6.45
